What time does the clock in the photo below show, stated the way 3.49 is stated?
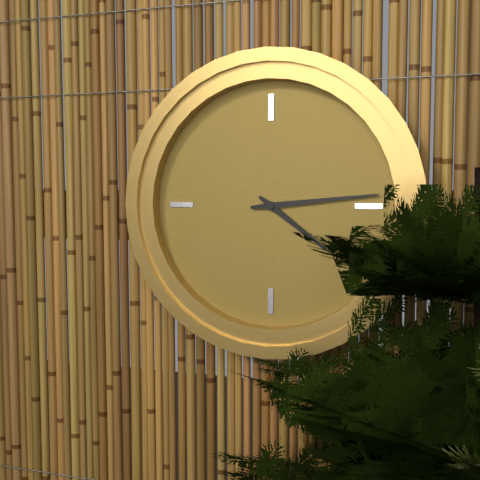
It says 4.14
